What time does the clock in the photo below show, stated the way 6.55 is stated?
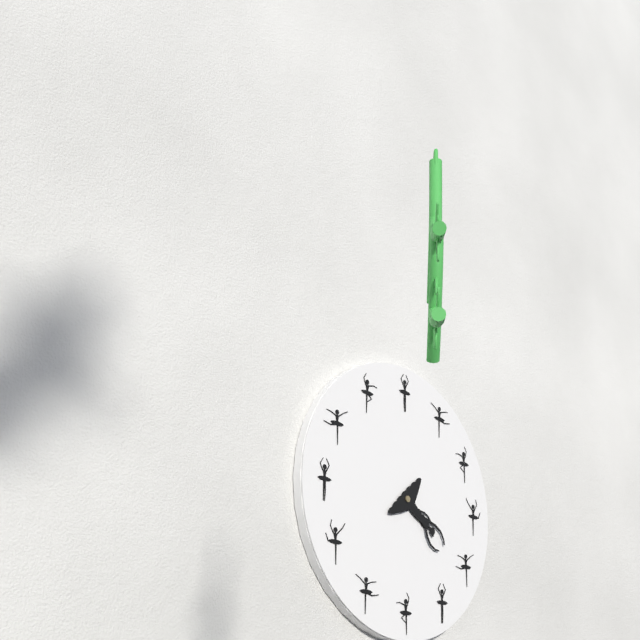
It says 4.23
